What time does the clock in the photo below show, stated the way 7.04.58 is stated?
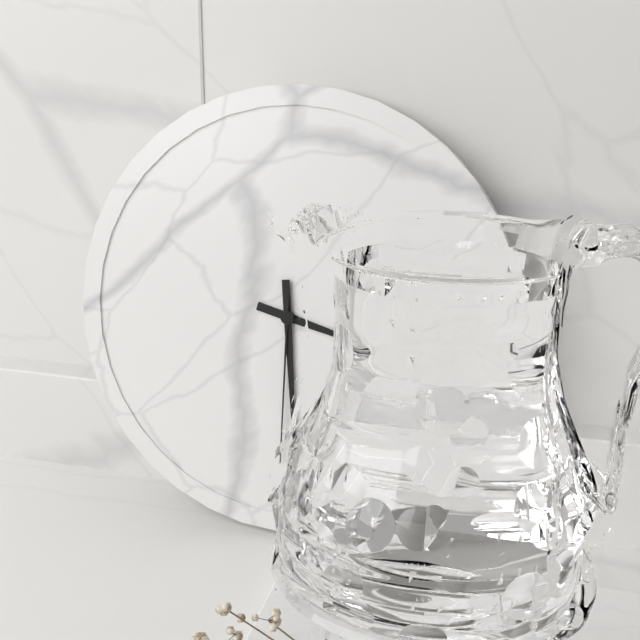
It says 3.29.30
